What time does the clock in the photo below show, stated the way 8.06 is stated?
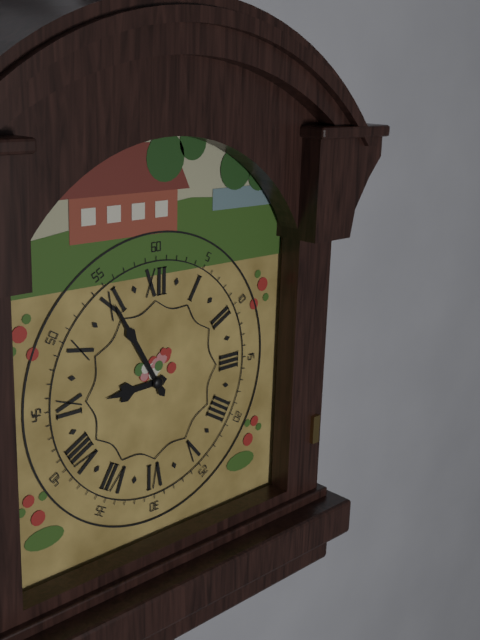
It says 8.55
